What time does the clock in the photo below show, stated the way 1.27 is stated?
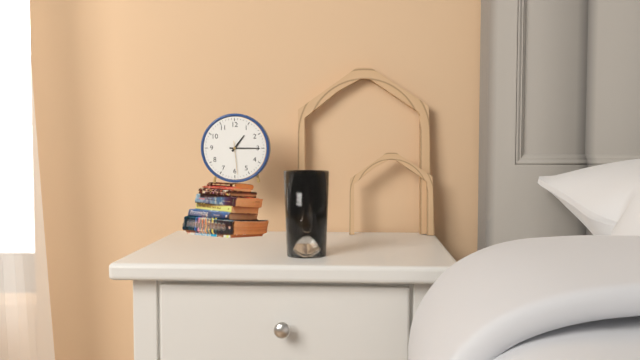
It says 1.15
